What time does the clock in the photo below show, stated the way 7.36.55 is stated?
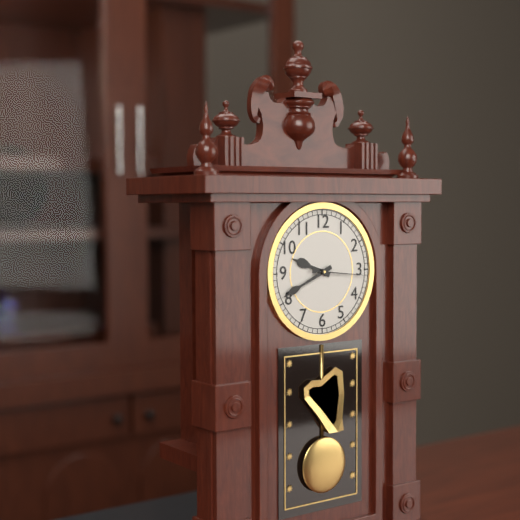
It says 9.41.16
